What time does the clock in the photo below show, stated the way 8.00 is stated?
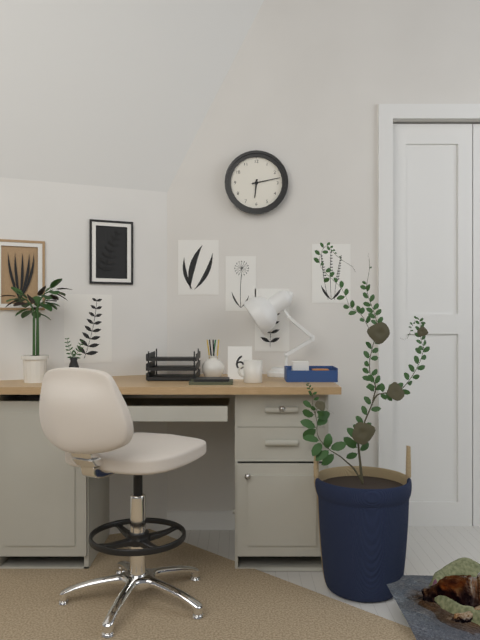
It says 6.13
